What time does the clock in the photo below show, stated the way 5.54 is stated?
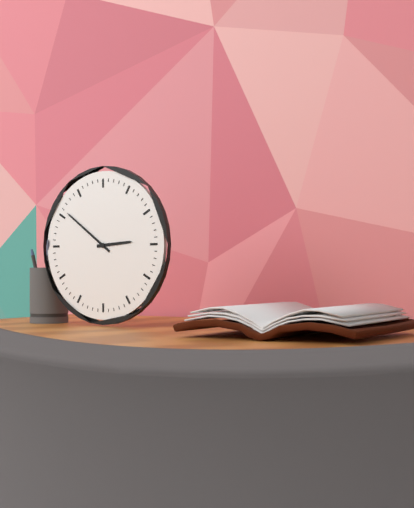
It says 2.51
